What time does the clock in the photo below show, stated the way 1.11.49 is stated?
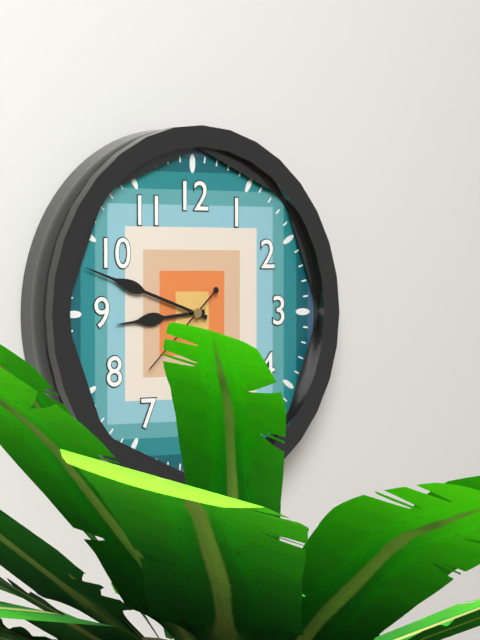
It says 8.48.38
